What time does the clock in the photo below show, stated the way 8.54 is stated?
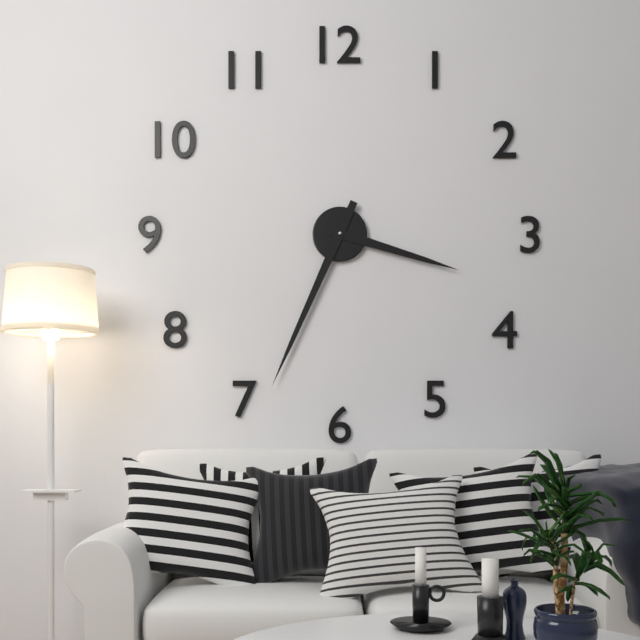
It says 3.34
